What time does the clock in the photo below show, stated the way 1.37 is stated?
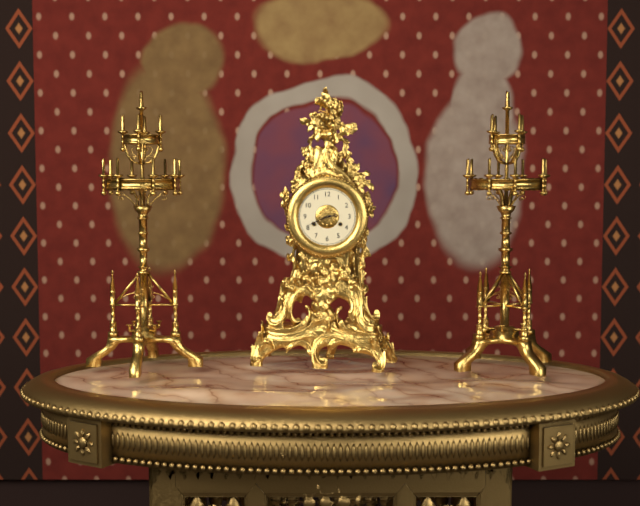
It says 2.41
